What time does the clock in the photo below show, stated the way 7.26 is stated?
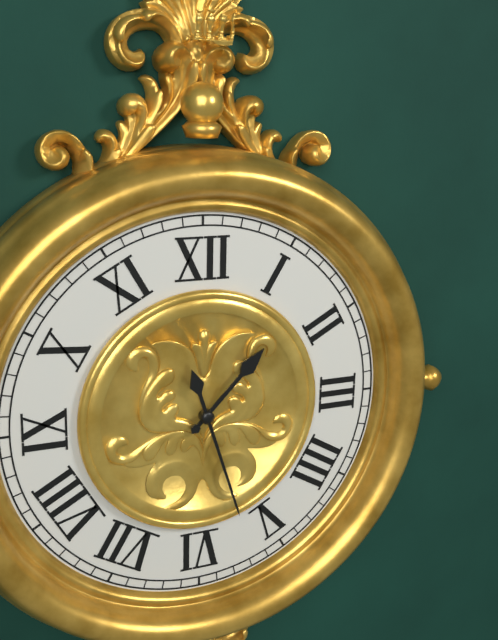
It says 1.27
